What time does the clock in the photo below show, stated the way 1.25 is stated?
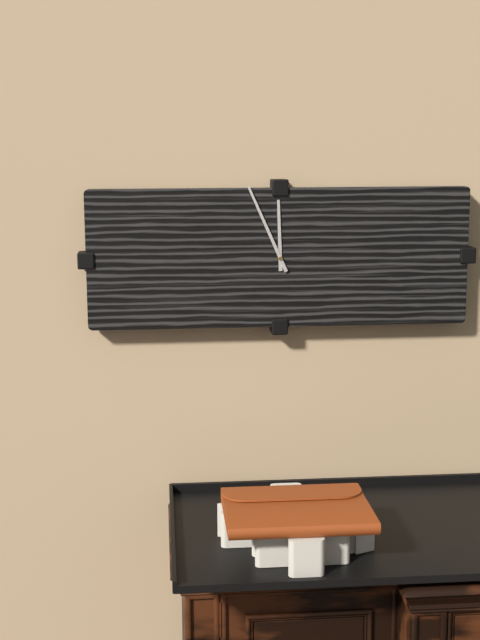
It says 11.56
